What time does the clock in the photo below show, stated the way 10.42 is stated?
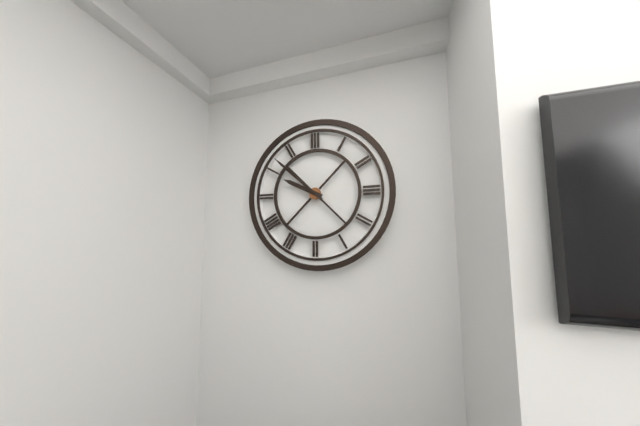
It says 9.52
